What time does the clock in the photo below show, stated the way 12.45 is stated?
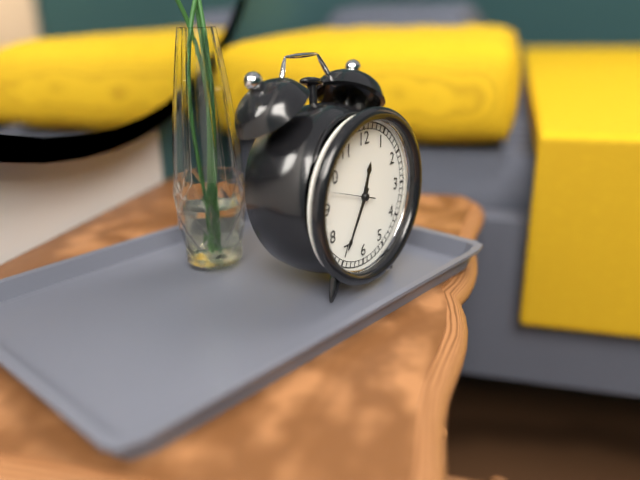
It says 12.35
